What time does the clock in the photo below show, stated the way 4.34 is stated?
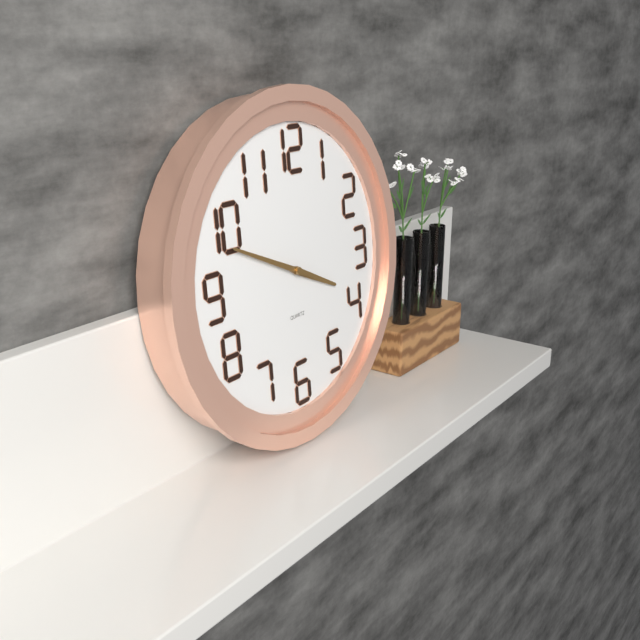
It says 3.49
